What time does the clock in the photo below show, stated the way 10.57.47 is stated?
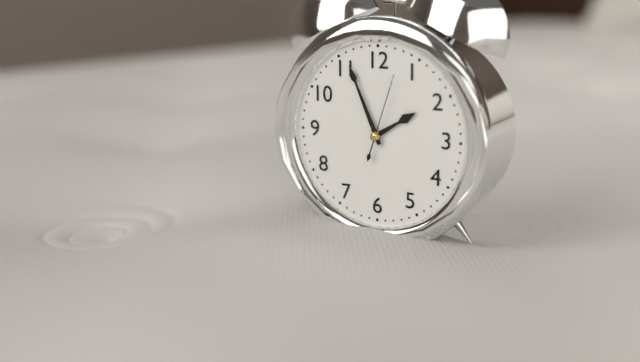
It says 1.56.03
